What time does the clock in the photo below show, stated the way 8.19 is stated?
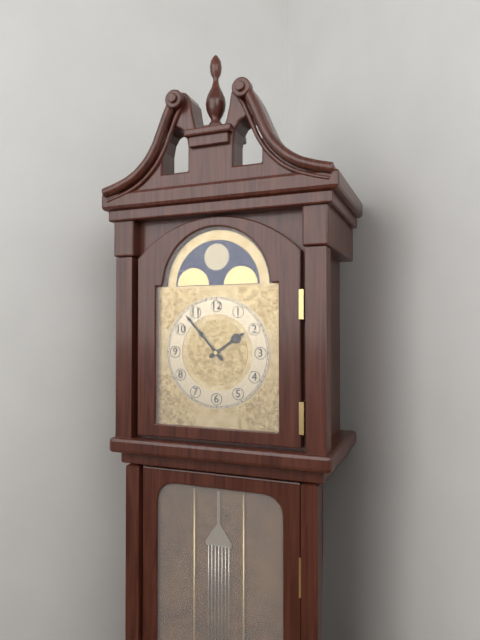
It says 1.53
